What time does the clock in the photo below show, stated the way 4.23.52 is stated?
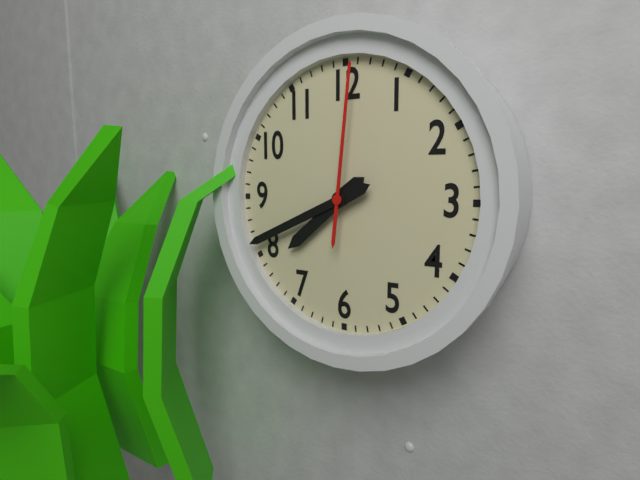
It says 7.41.01
